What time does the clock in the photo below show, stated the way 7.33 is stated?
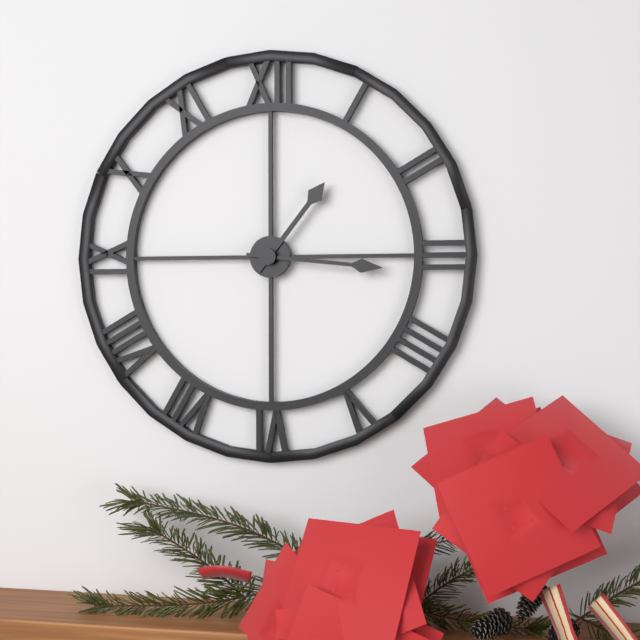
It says 1.16
